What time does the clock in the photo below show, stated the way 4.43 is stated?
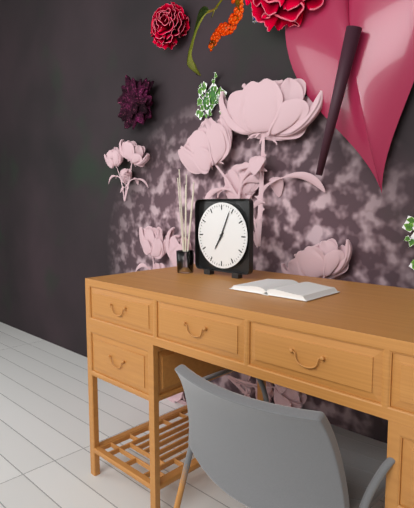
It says 7.04
